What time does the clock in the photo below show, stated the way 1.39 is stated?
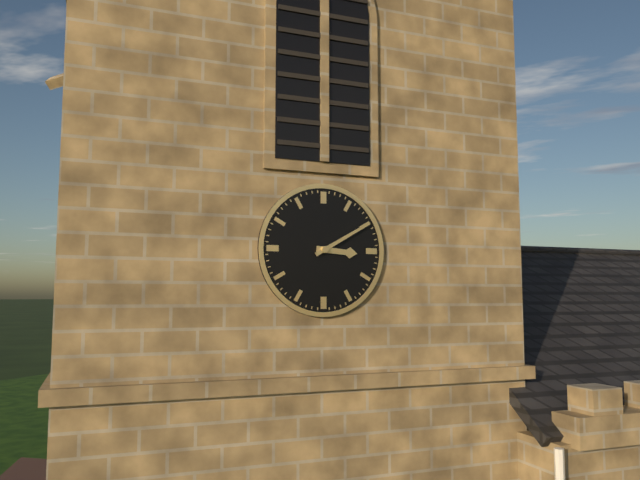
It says 3.10
